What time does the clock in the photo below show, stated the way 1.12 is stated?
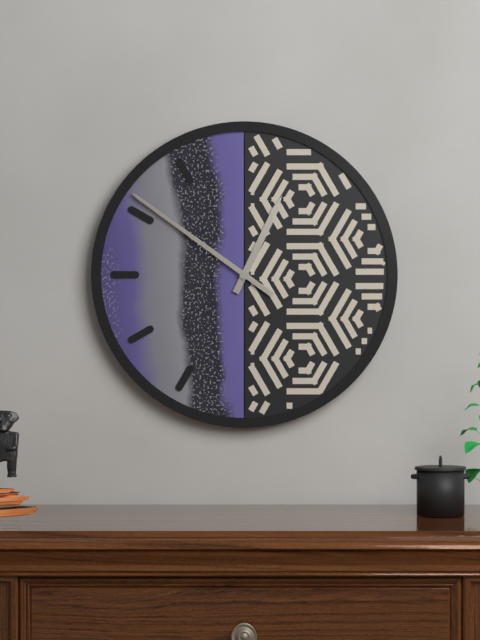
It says 12.51
